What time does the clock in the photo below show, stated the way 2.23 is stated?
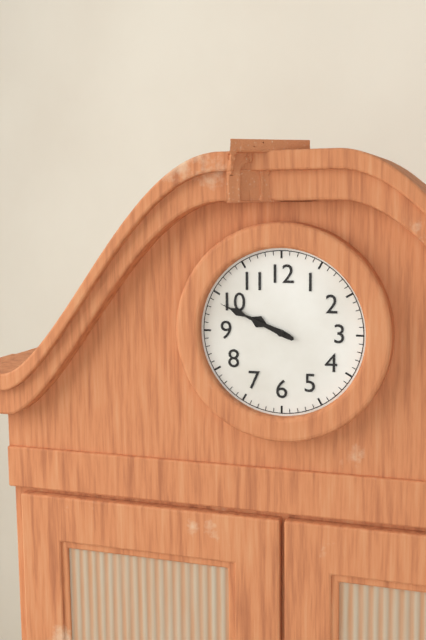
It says 9.49
